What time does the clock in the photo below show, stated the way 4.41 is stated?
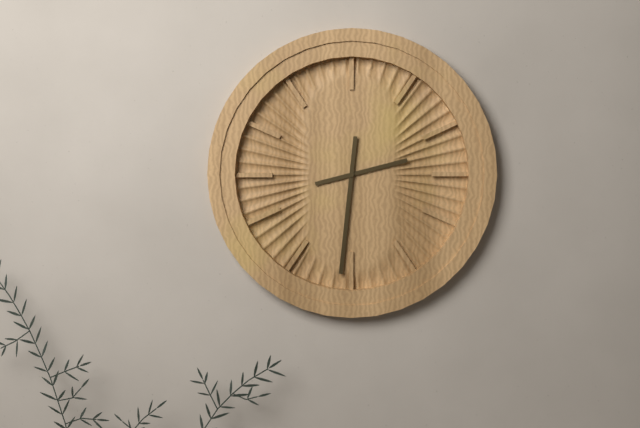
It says 2.31
